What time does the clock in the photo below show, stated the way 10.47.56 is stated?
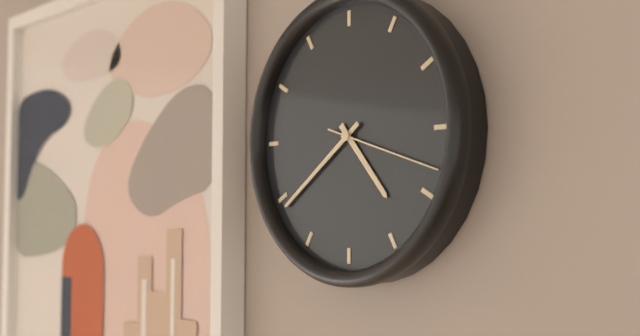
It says 4.39.18
